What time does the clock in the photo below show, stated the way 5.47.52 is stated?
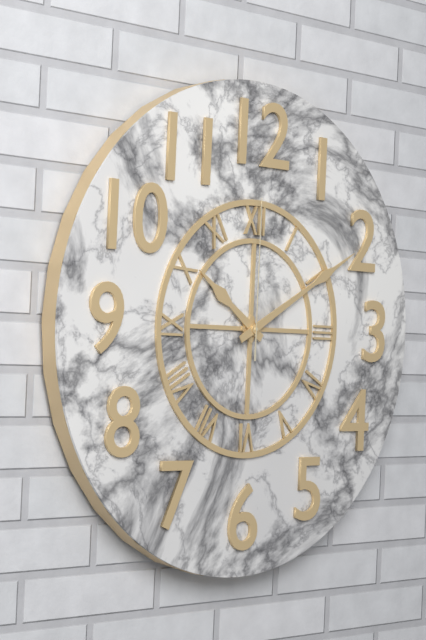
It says 10.10.00
